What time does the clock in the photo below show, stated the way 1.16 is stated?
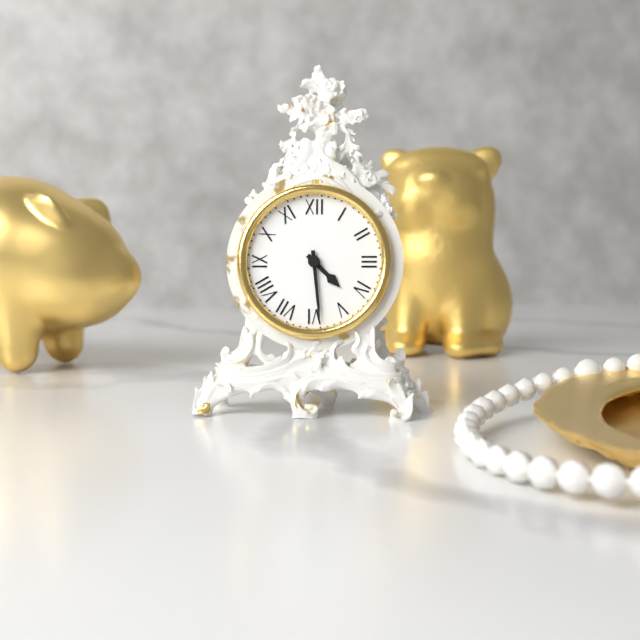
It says 4.29
